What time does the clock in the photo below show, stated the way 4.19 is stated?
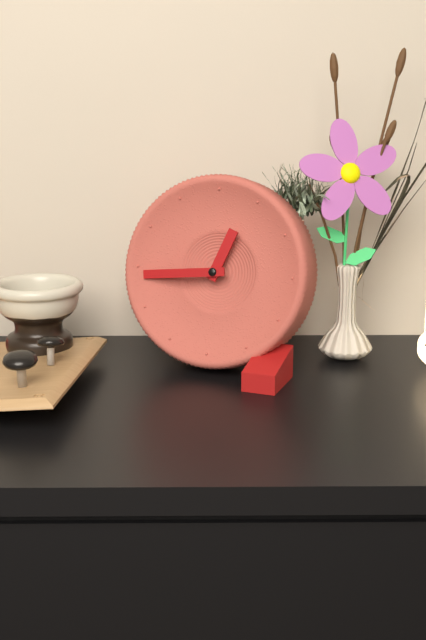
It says 12.44
